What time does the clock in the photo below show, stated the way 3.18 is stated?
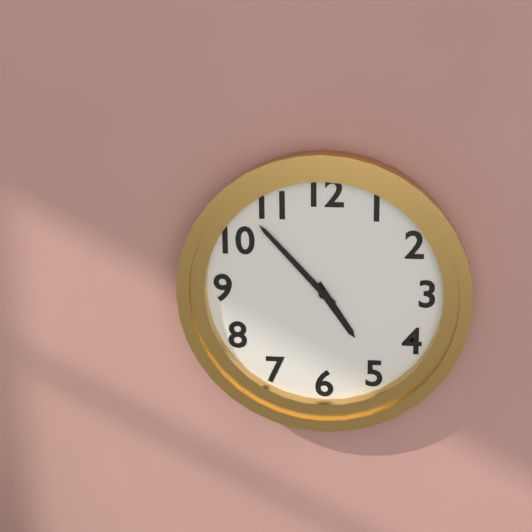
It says 4.53
